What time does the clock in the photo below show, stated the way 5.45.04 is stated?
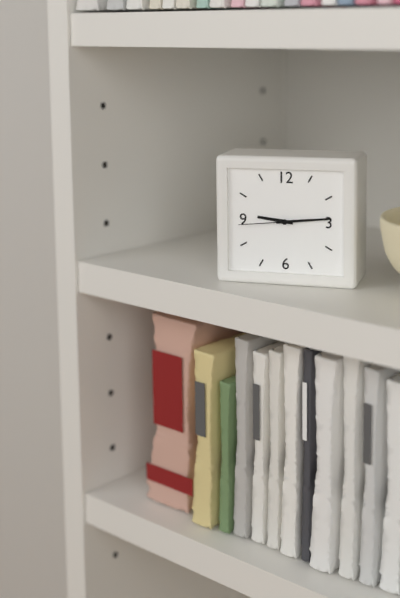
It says 9.14.44
